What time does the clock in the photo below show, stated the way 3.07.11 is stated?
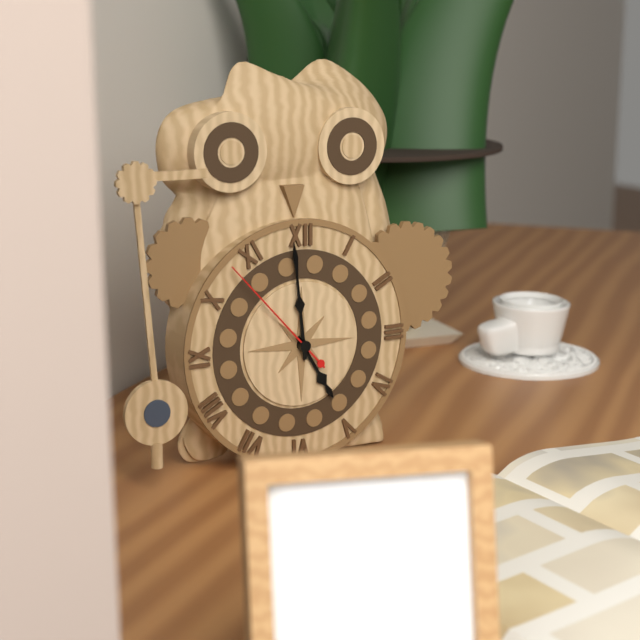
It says 4.59.53
